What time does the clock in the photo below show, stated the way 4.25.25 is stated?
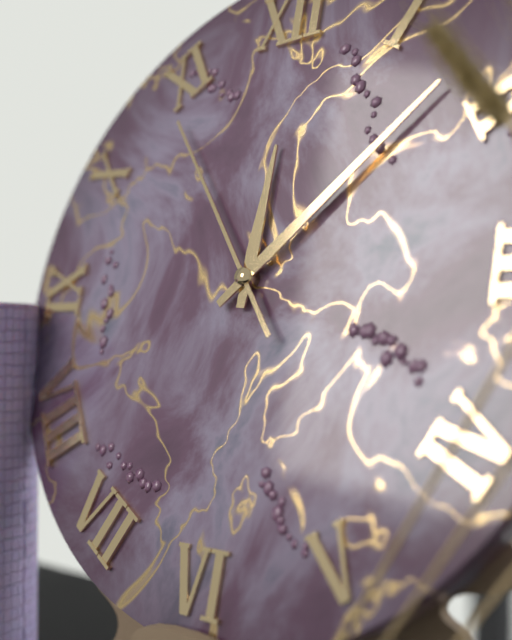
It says 12.08.54
